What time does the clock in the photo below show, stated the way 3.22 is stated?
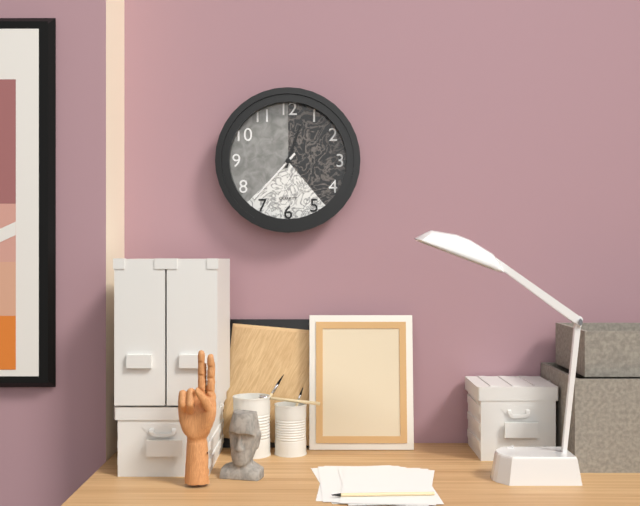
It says 12.37
